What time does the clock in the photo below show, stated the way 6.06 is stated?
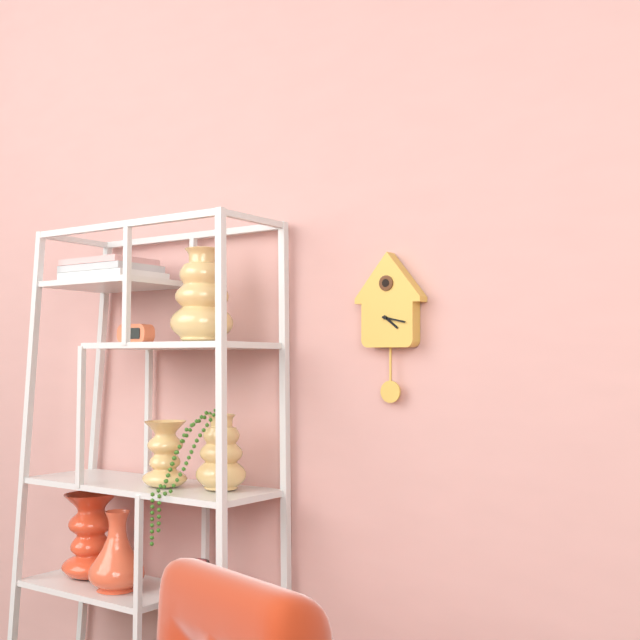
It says 4.17
